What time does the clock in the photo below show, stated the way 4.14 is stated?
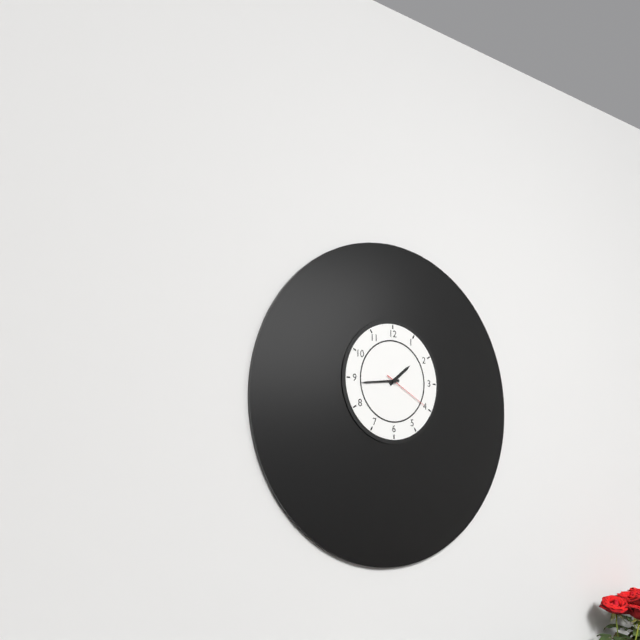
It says 1.44
